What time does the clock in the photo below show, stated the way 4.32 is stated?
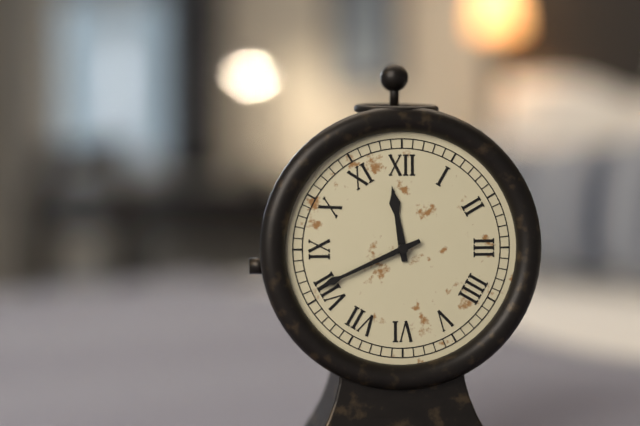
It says 11.41
